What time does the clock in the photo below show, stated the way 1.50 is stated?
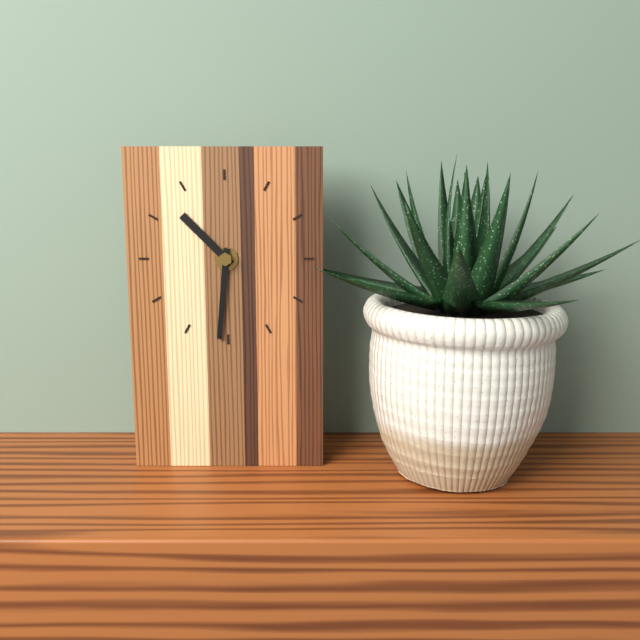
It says 10.31
